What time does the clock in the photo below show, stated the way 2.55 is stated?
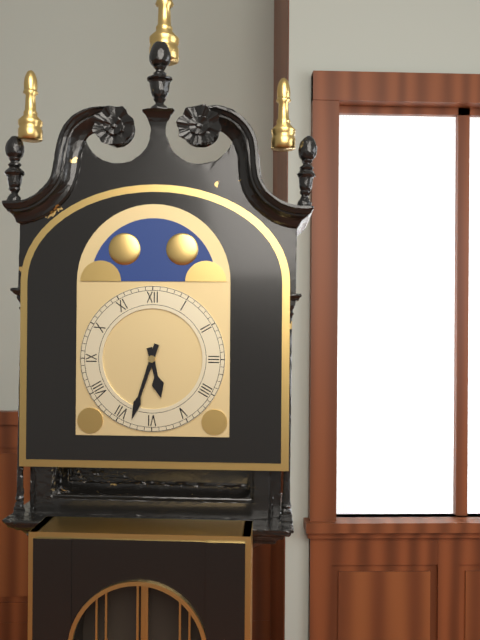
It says 5.33
